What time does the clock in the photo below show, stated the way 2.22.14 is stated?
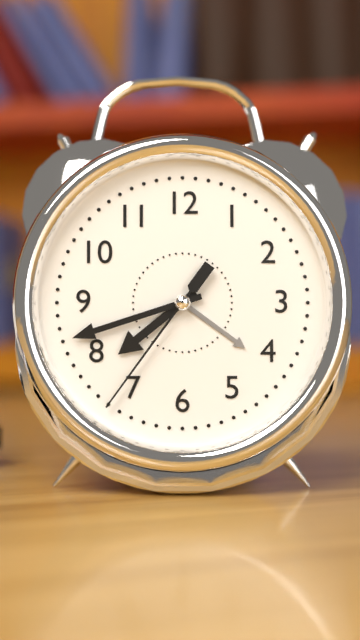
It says 7.42.36
